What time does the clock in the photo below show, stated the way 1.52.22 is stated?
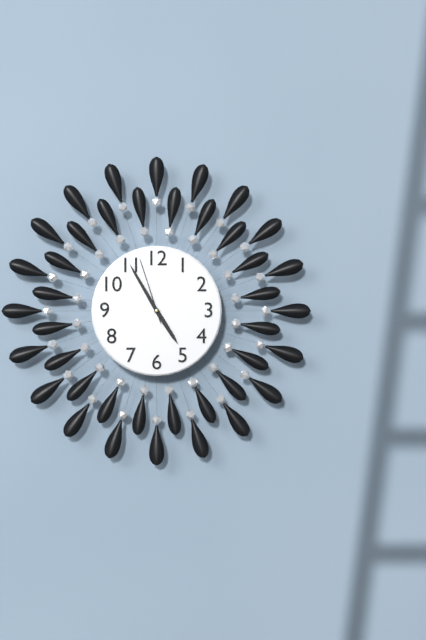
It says 4.55.57
